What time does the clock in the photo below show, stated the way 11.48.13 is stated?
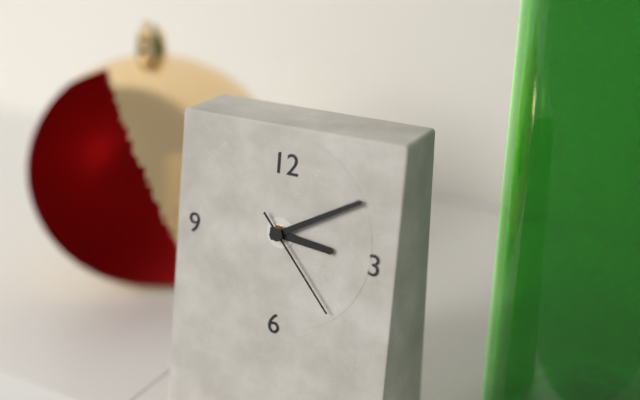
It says 3.10.23
